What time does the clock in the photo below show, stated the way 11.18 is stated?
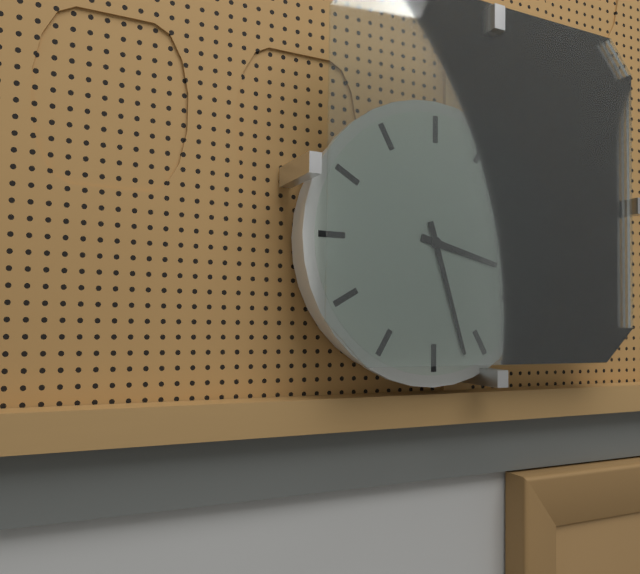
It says 3.27
